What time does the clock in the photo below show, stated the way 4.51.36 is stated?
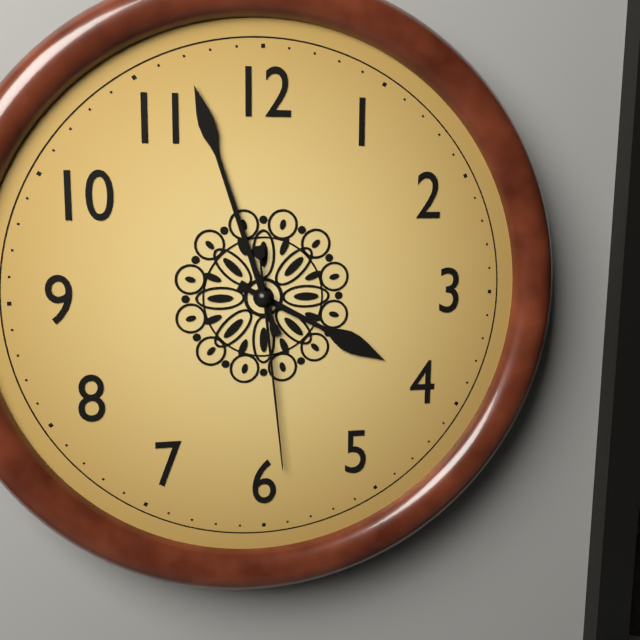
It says 3.57.29
